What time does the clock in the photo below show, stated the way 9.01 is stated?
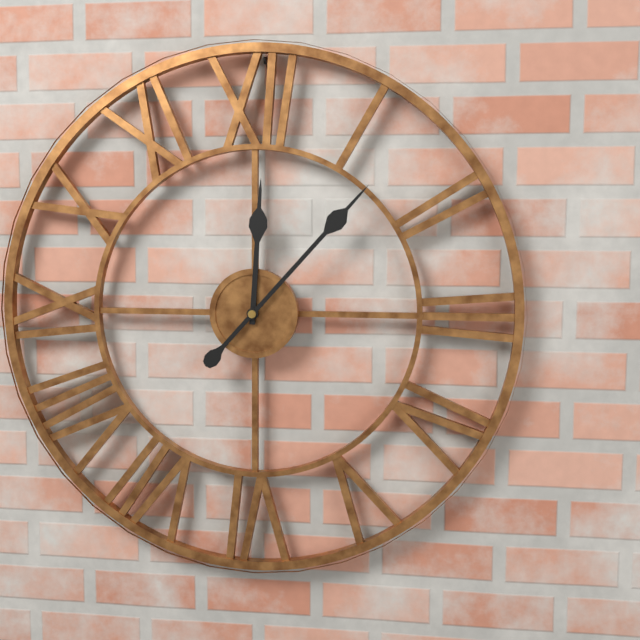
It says 12.07
